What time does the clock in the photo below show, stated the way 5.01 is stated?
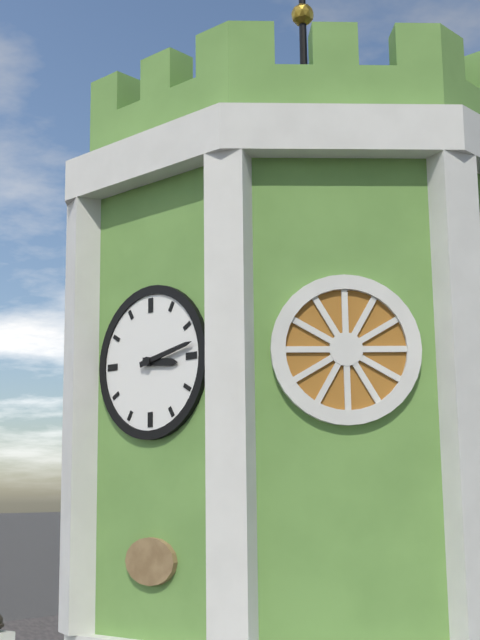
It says 3.13
